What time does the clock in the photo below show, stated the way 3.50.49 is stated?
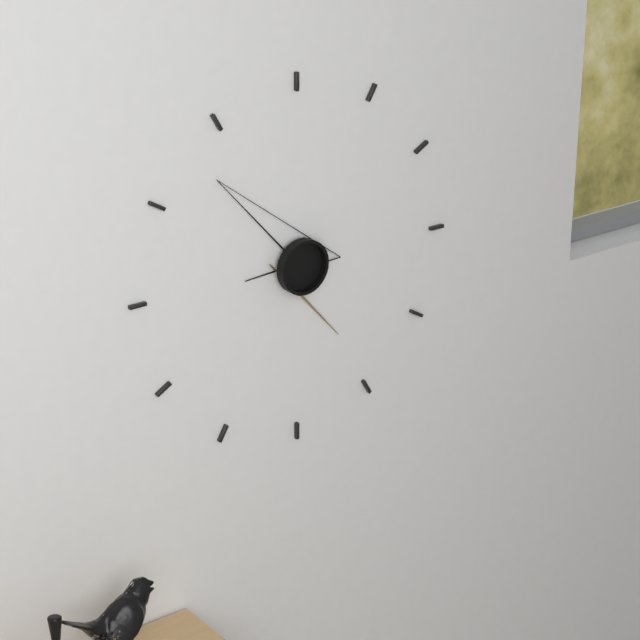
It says 8.53.25
